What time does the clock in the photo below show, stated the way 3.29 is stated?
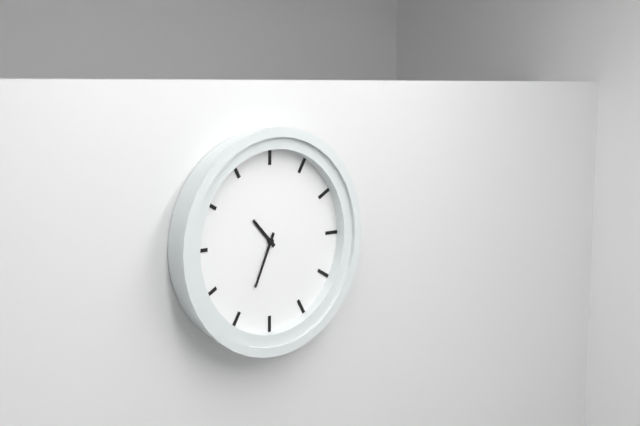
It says 10.34
